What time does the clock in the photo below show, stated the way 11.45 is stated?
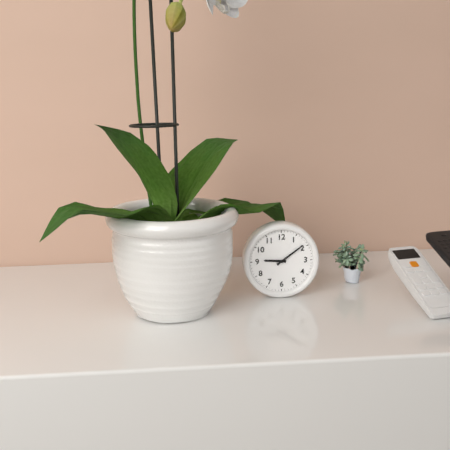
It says 9.09
